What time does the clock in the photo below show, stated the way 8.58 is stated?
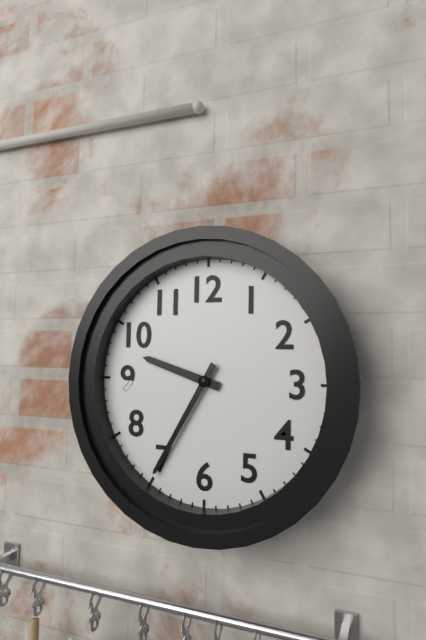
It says 9.35
